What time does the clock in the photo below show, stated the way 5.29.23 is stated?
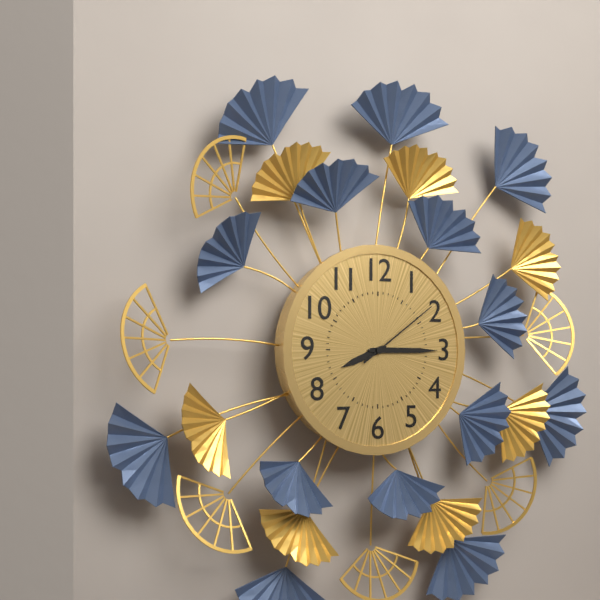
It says 8.15.09
